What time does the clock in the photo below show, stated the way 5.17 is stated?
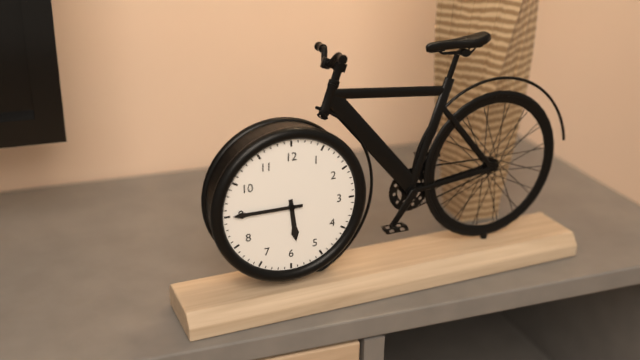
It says 5.45
